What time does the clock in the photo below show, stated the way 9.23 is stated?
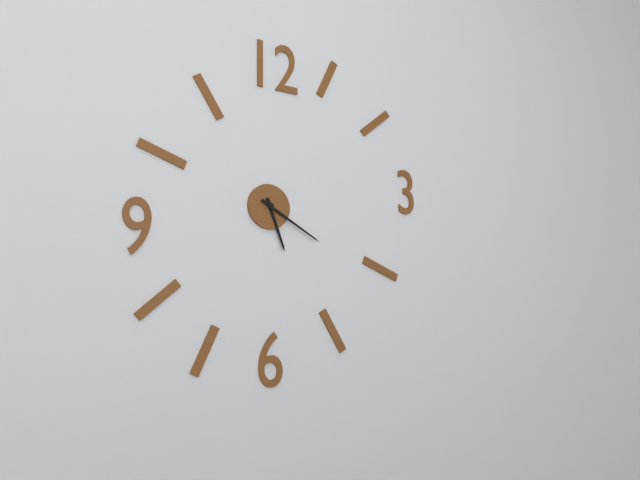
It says 5.20
